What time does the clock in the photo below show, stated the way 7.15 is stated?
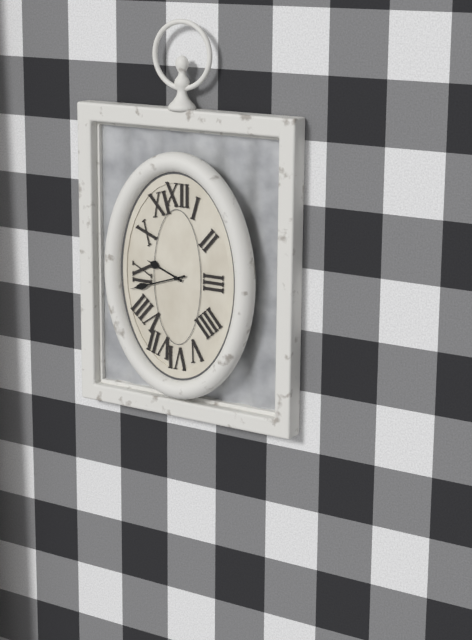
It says 9.42
